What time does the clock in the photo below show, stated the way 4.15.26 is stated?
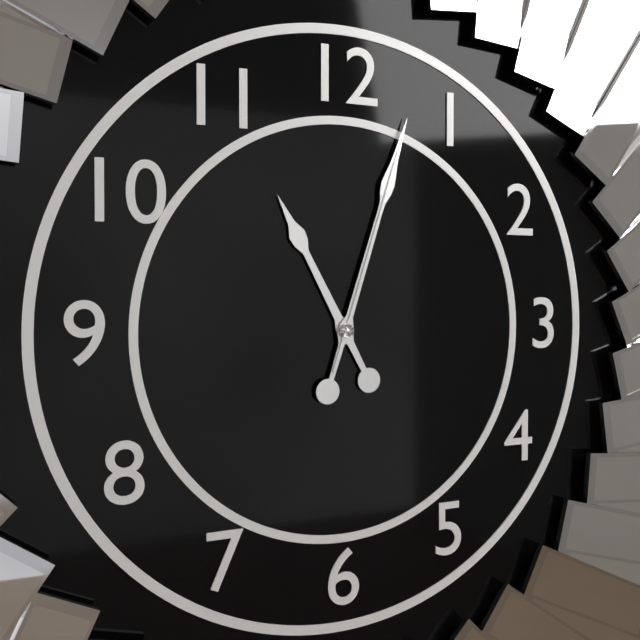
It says 11.03.03
